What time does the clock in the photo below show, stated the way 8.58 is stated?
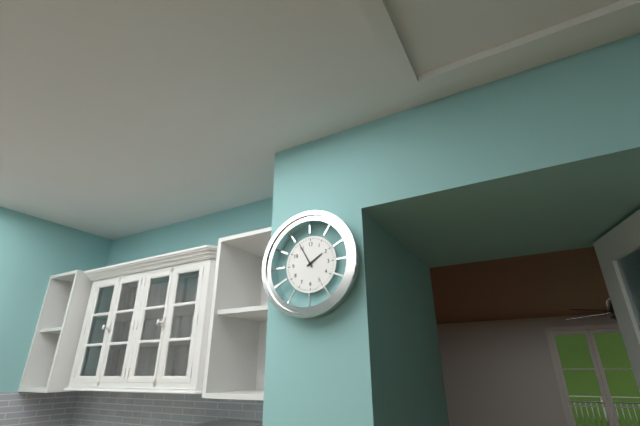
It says 1.55
